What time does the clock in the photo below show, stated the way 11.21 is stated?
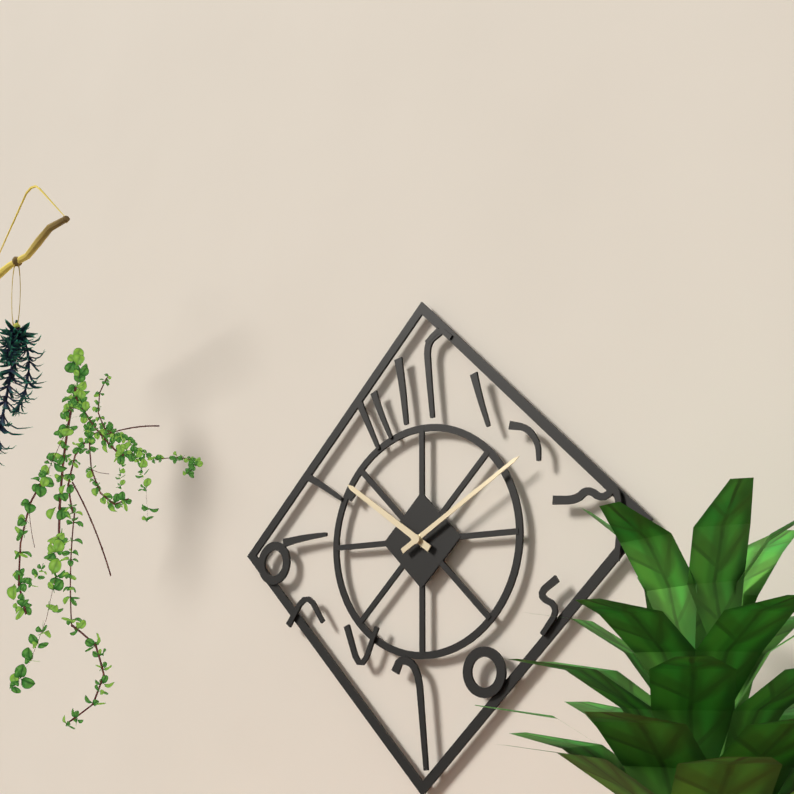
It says 10.10
